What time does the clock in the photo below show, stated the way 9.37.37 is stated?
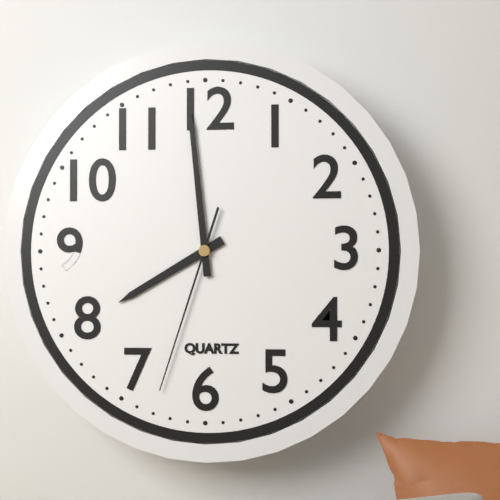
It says 7.59.33
